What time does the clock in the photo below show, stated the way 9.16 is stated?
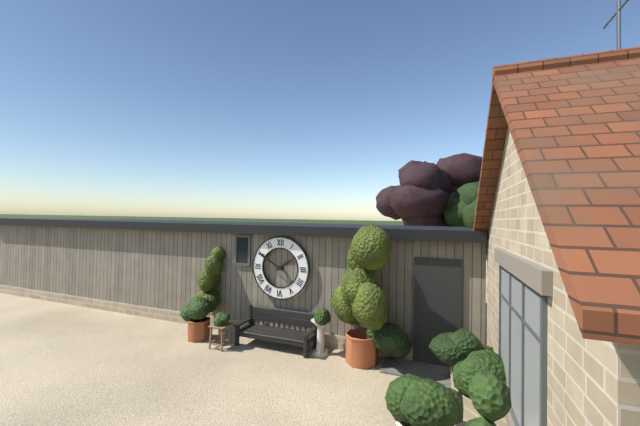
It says 1.50
